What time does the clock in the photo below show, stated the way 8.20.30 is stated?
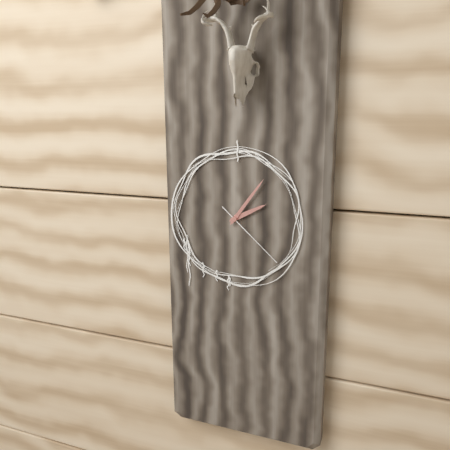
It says 2.06.22
